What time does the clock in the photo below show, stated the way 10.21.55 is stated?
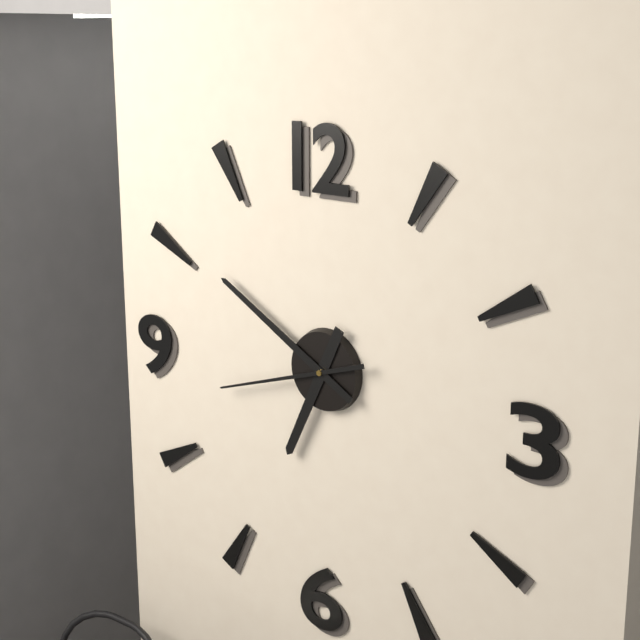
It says 6.50.42
